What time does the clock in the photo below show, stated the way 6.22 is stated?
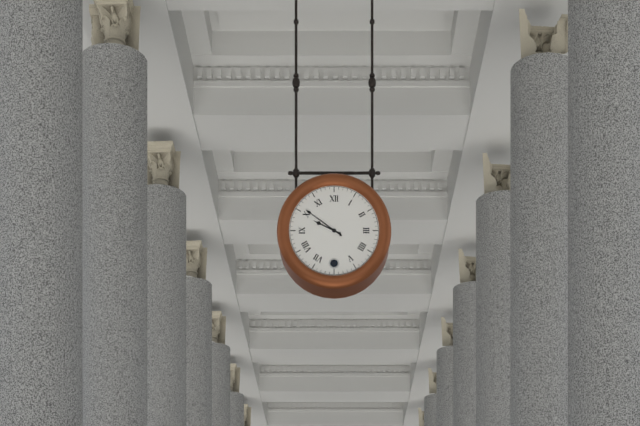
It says 9.51
